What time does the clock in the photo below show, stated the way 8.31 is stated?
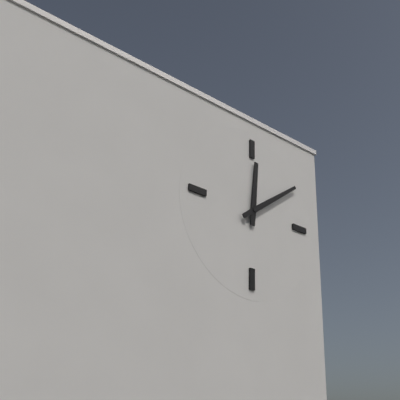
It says 12.09
